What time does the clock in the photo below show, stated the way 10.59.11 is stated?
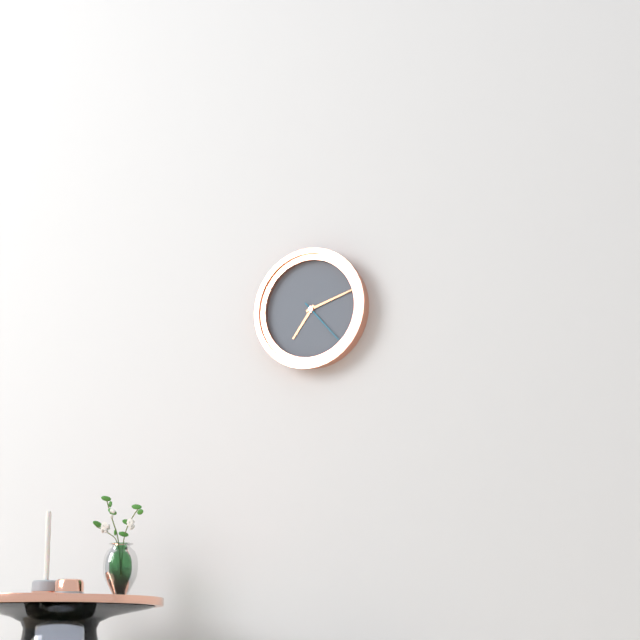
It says 7.12.23
